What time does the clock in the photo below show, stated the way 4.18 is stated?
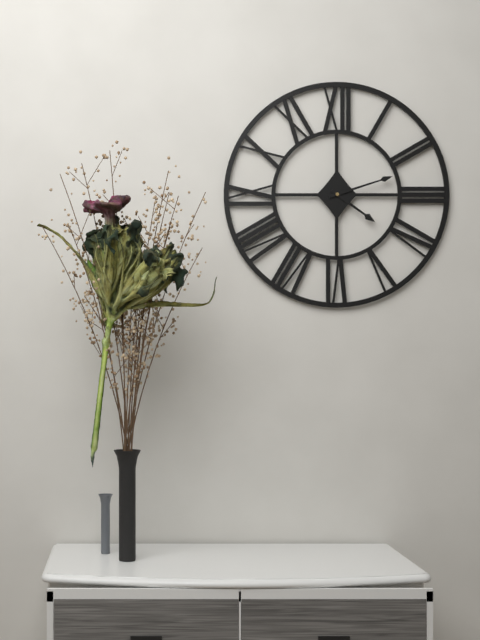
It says 4.12
